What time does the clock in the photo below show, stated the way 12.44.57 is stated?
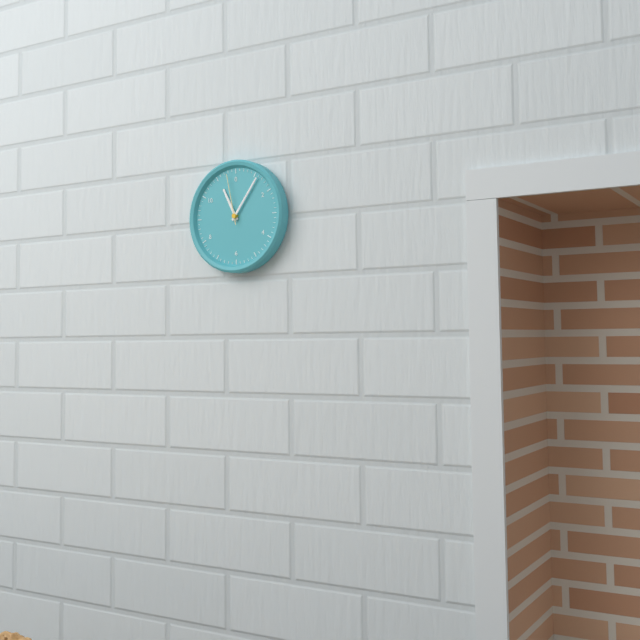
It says 11.06.58
